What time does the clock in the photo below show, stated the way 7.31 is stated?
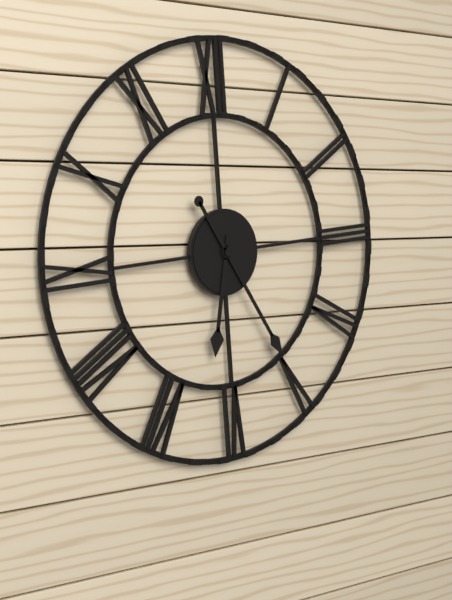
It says 6.25
